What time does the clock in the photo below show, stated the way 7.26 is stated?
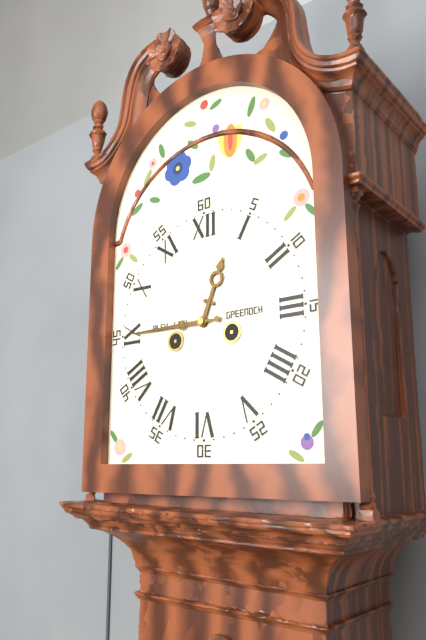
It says 12.45
